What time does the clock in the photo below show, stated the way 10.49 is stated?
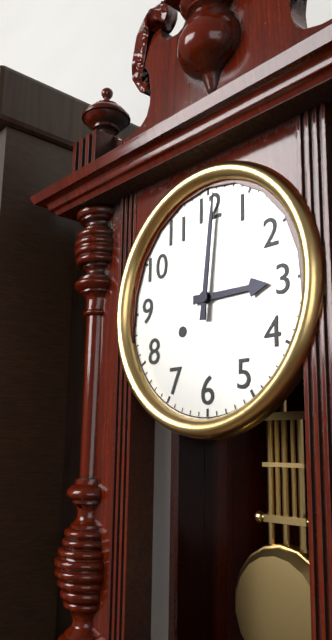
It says 3.01
